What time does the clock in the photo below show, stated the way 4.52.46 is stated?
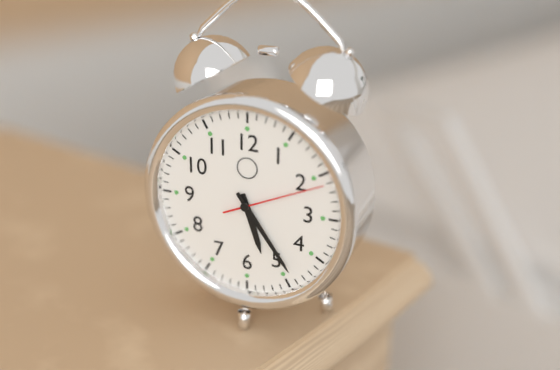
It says 5.24.11
